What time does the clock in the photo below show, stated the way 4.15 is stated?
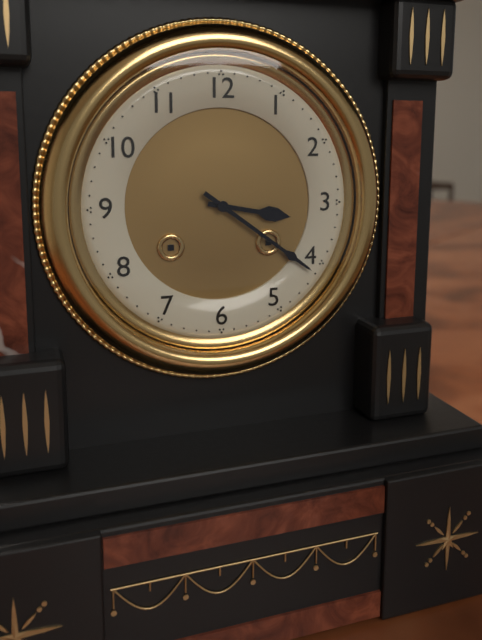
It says 3.21
